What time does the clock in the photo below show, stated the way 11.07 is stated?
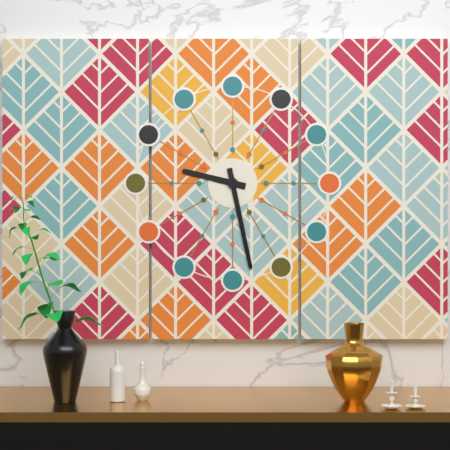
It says 9.28
